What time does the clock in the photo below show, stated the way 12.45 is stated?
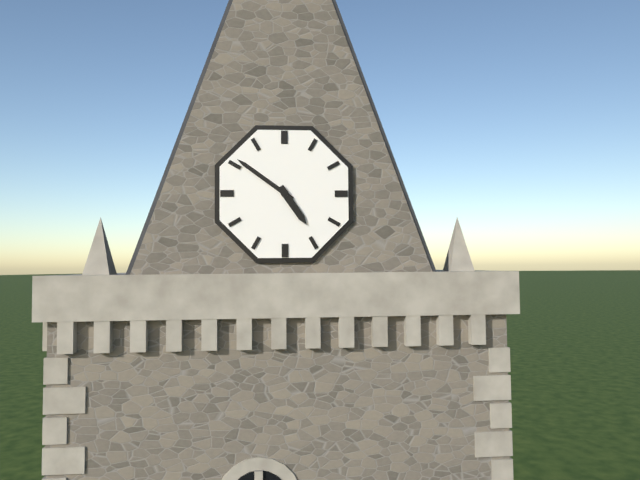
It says 4.51
